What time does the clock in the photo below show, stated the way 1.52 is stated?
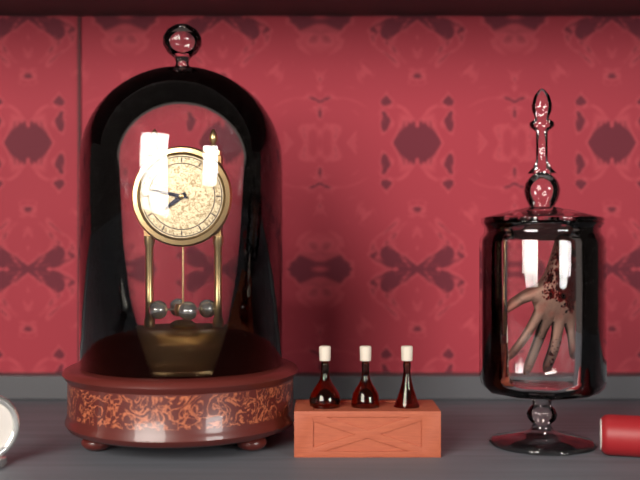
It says 7.47
